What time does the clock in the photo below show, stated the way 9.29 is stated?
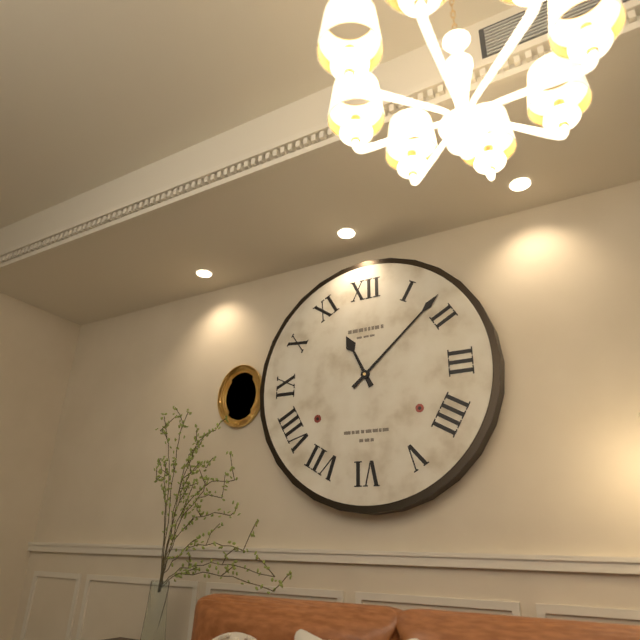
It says 11.08
